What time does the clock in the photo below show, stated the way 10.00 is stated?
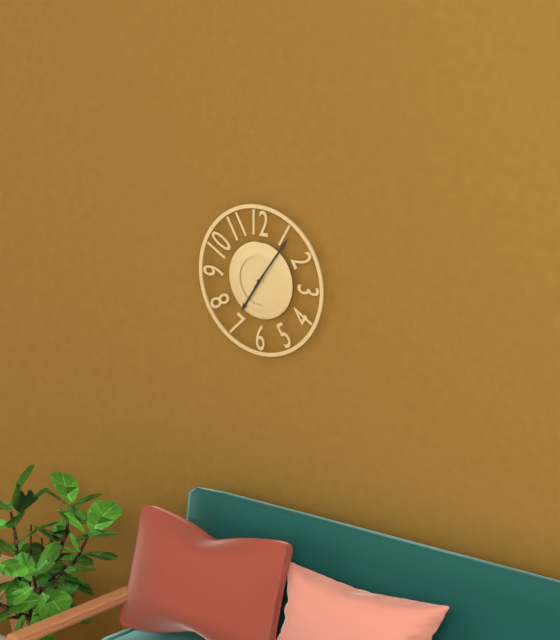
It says 7.06
